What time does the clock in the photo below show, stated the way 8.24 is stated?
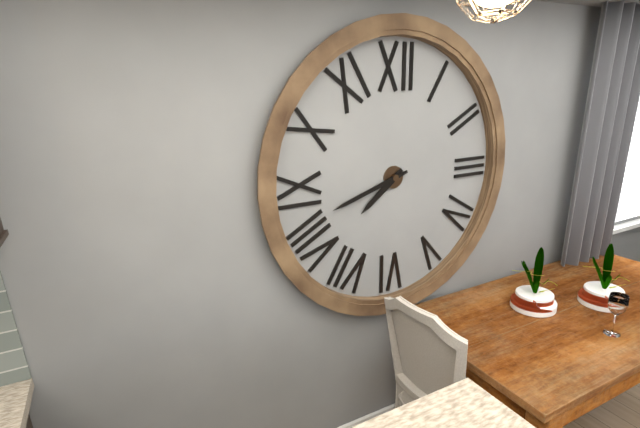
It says 7.42
